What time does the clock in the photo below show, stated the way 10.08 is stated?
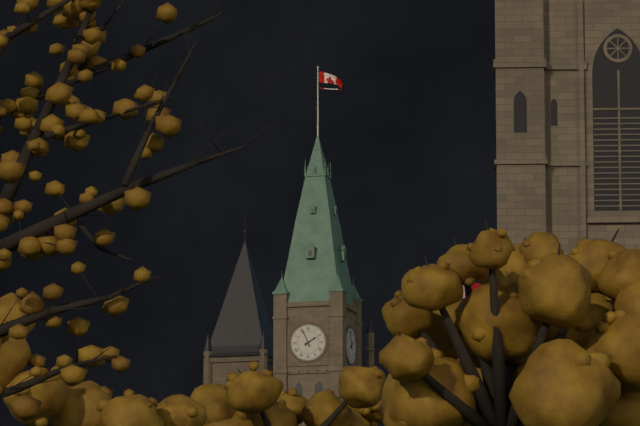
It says 1.56
